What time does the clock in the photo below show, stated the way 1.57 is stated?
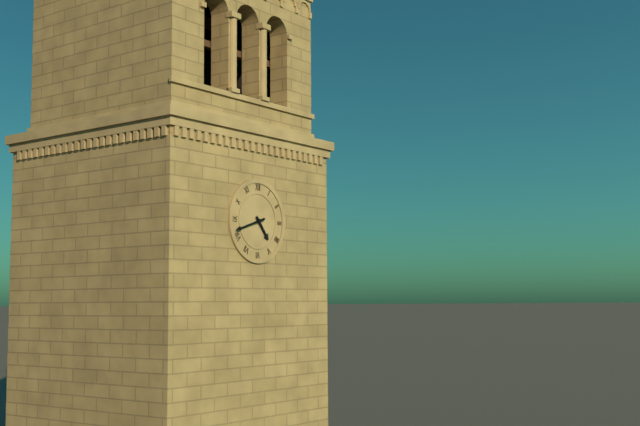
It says 4.42
